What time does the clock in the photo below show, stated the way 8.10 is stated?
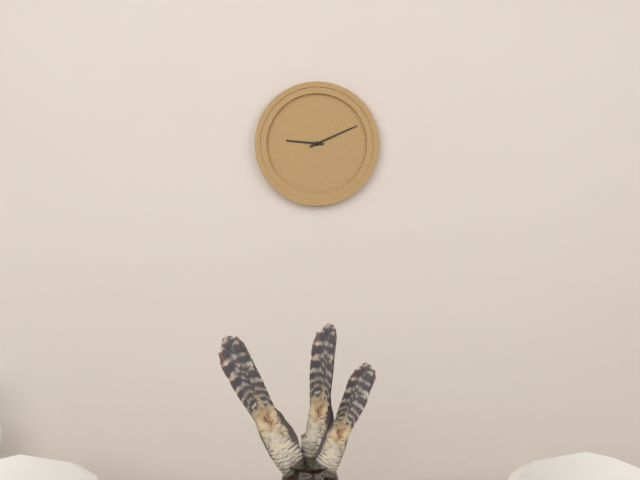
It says 9.11
